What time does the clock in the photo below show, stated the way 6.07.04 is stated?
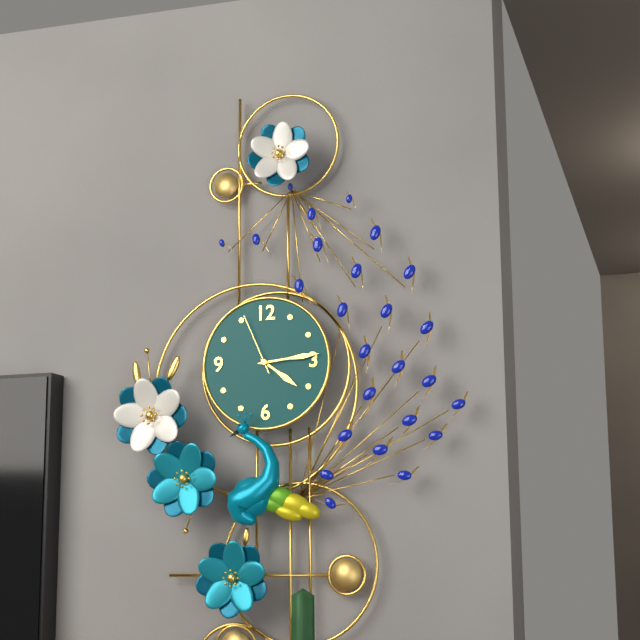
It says 4.14.56
